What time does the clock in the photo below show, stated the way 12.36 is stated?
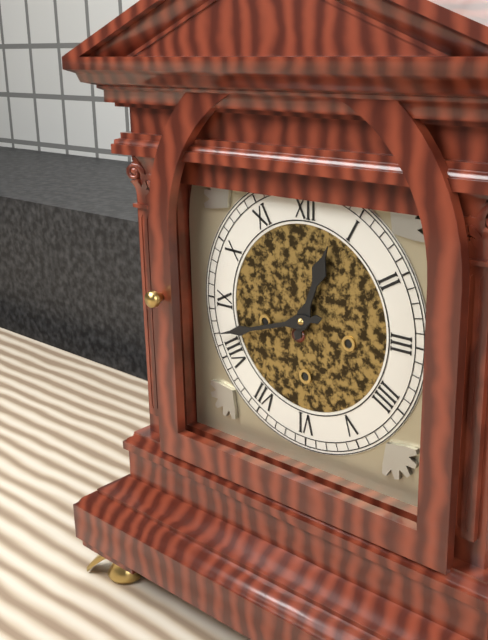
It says 12.42
